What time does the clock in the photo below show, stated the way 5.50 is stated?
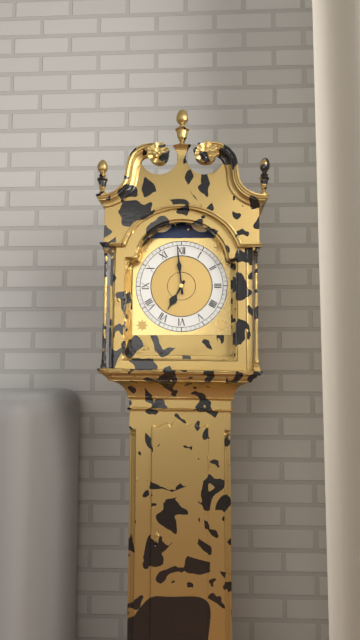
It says 6.59
